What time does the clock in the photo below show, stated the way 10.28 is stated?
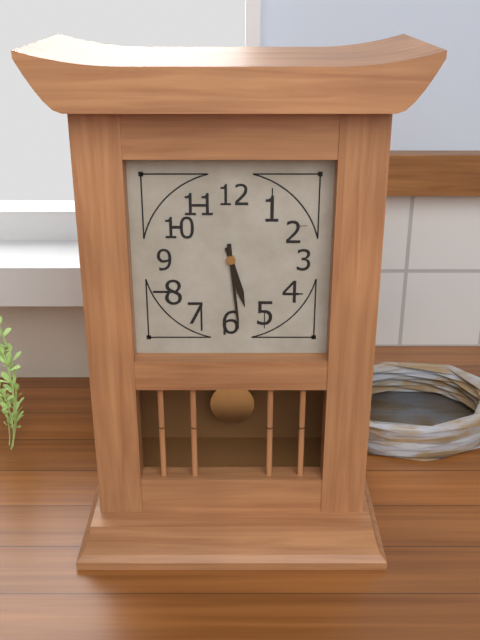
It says 5.29
